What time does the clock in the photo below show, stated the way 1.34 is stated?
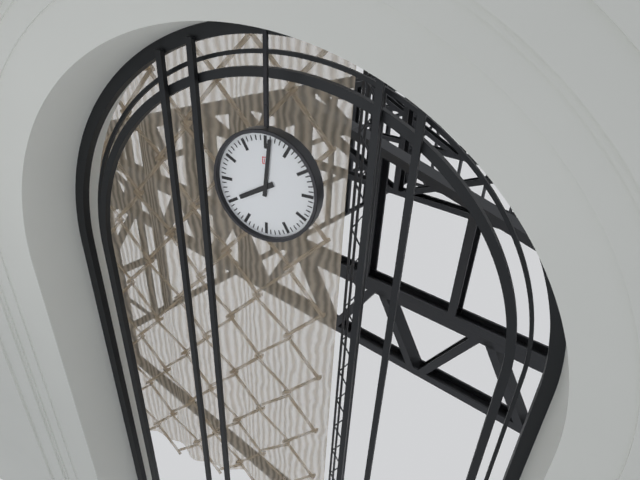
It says 8.01
